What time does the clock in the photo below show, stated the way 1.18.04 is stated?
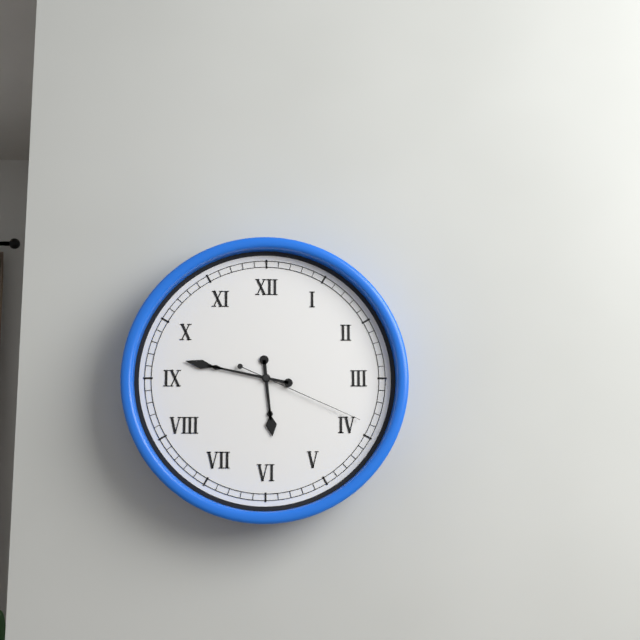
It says 5.47.19
